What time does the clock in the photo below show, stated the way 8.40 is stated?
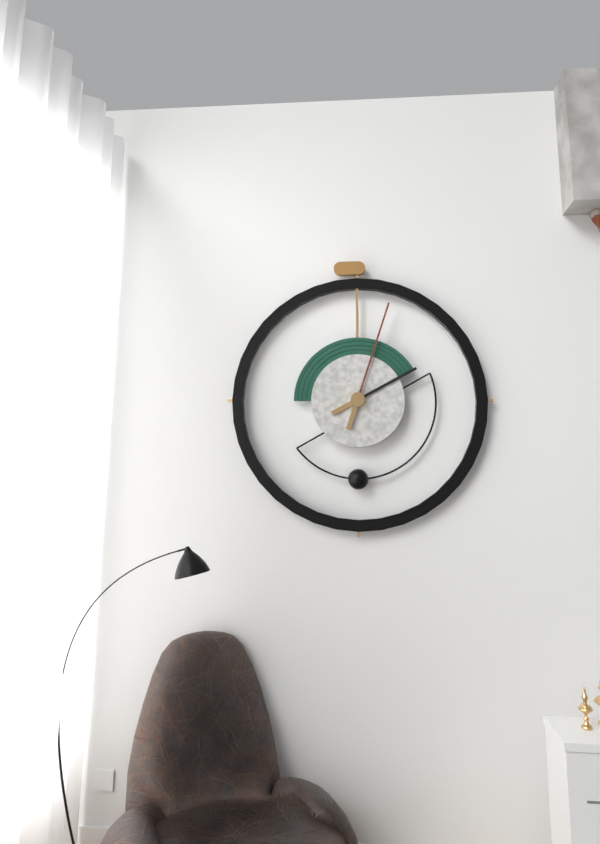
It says 2.03
